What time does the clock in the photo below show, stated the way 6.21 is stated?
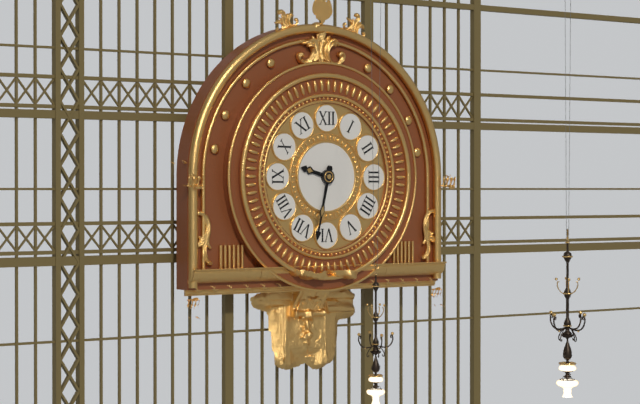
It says 9.32
